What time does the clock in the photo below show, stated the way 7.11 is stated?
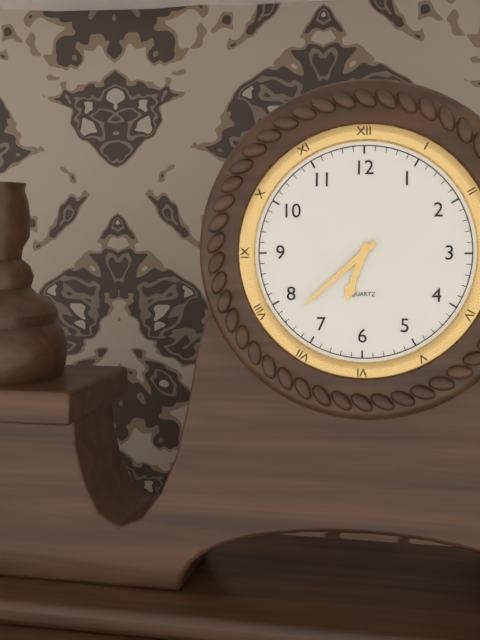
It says 6.38
